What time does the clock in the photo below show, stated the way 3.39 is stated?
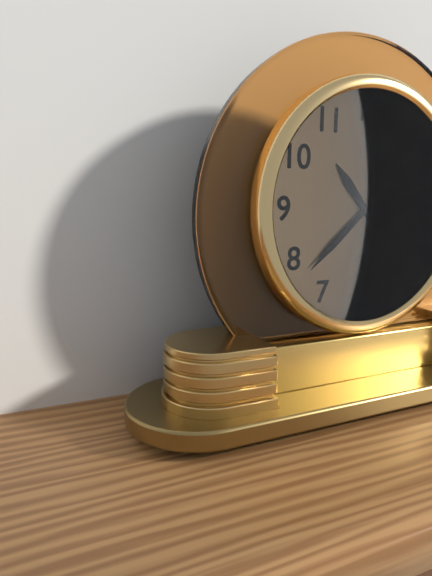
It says 10.38
